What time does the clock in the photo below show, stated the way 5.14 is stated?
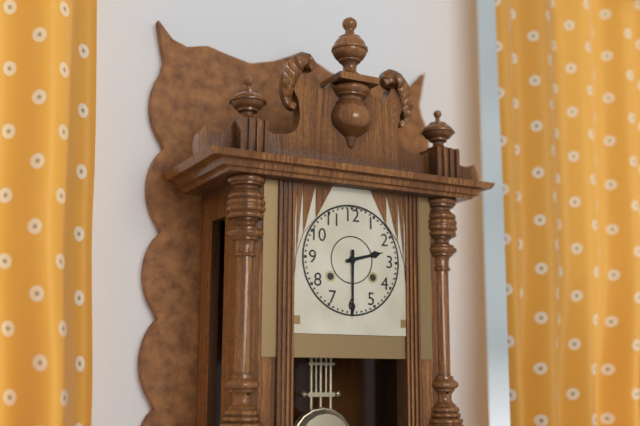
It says 2.30
